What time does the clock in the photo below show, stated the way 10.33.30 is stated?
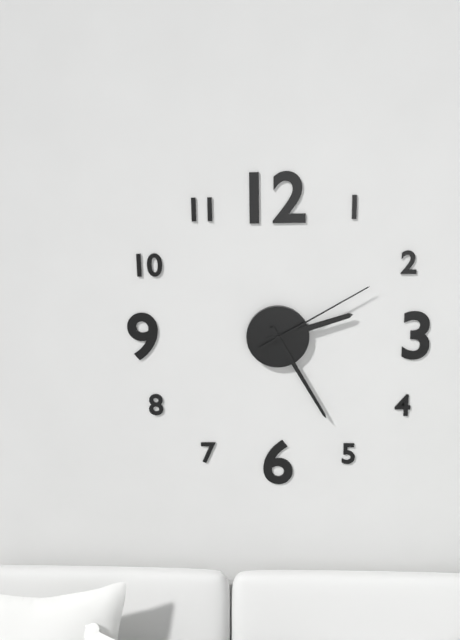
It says 2.25.10
